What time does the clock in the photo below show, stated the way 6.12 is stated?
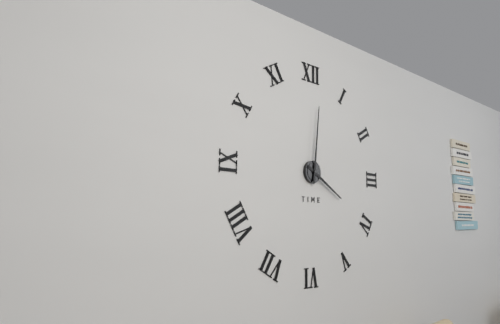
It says 4.01
